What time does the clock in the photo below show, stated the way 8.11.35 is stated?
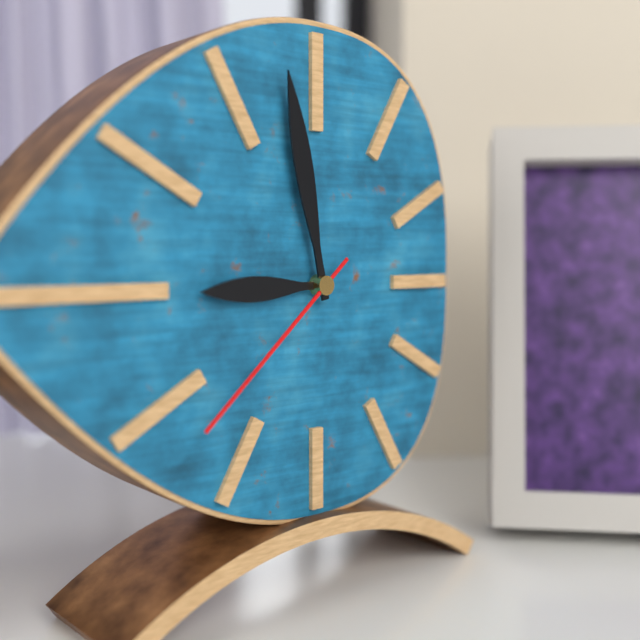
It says 8.58.38
